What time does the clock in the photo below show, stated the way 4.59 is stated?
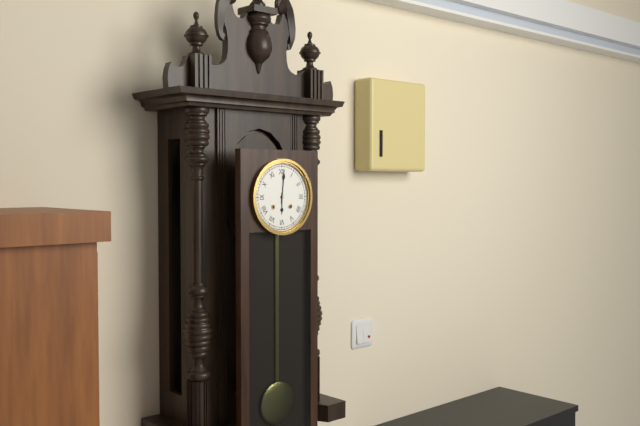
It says 6.01
